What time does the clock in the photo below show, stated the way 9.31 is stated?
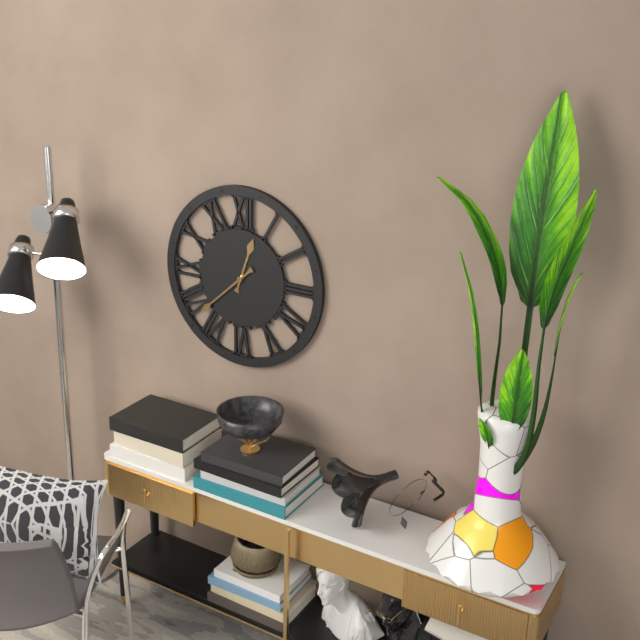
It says 12.38
